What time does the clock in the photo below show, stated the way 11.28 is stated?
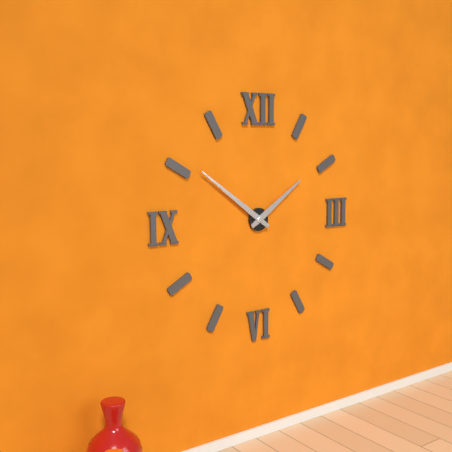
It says 1.51
